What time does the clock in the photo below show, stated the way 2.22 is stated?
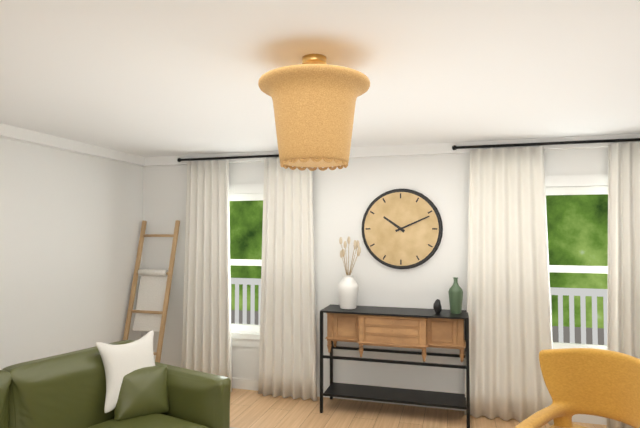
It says 10.11
